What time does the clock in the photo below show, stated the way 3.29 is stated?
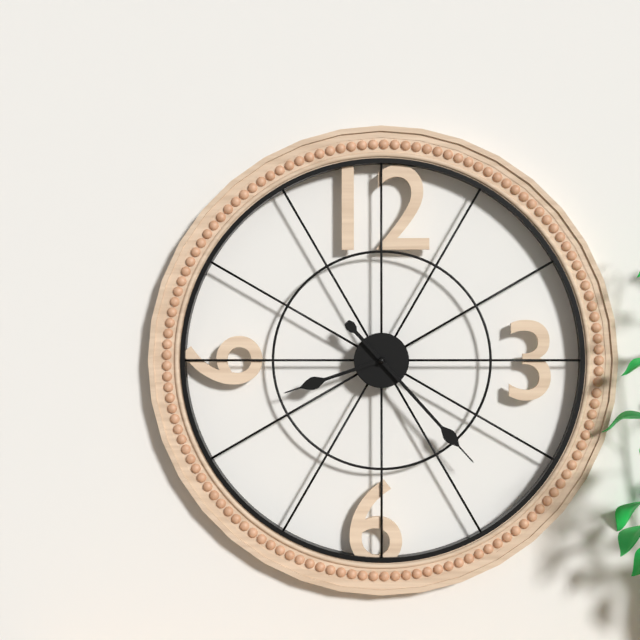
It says 8.23
